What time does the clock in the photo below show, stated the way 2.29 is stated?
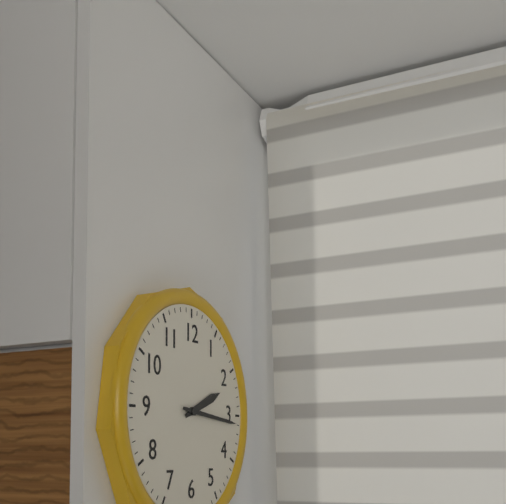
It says 2.16
